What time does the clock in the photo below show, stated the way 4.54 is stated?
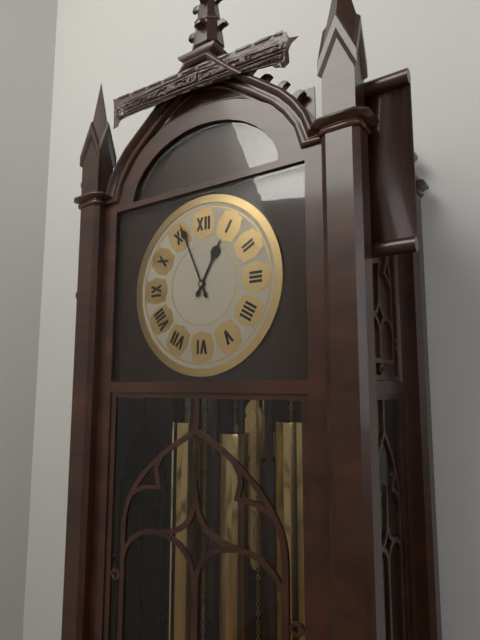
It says 12.56
